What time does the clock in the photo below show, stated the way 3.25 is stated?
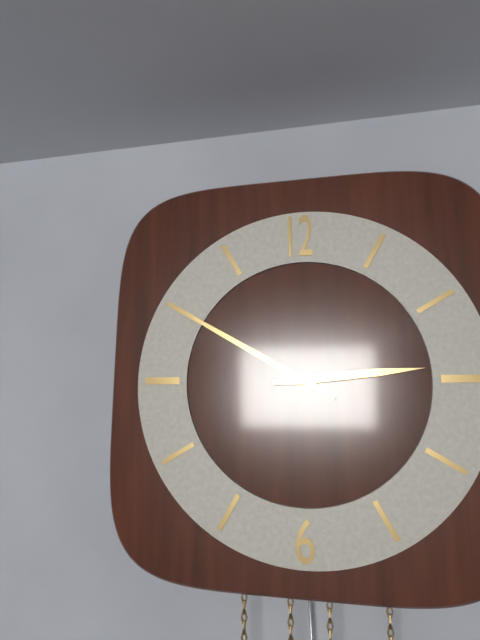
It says 2.50
